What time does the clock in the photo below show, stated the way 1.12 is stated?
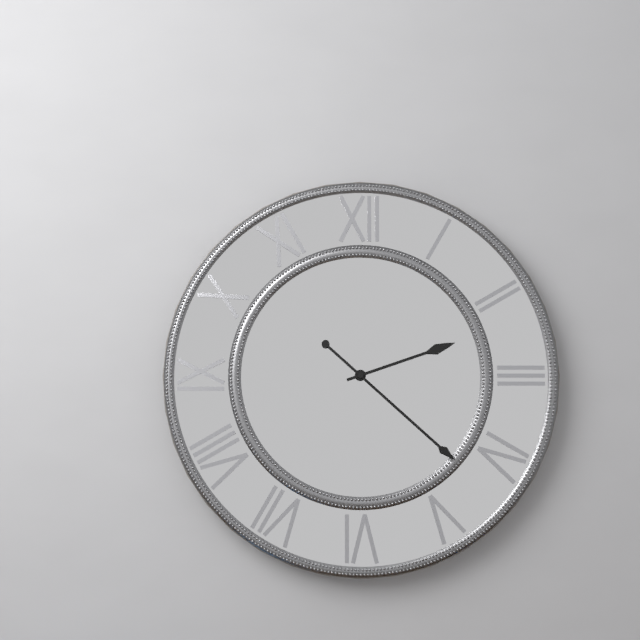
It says 2.22
